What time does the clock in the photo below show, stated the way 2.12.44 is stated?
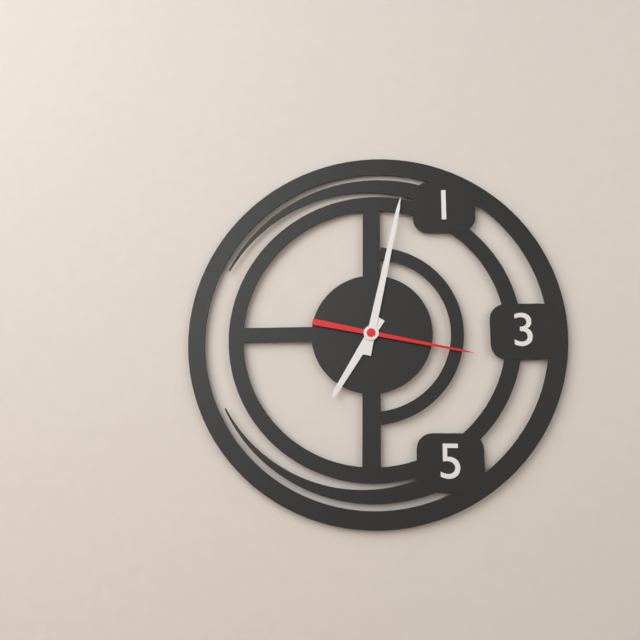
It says 7.02.17
